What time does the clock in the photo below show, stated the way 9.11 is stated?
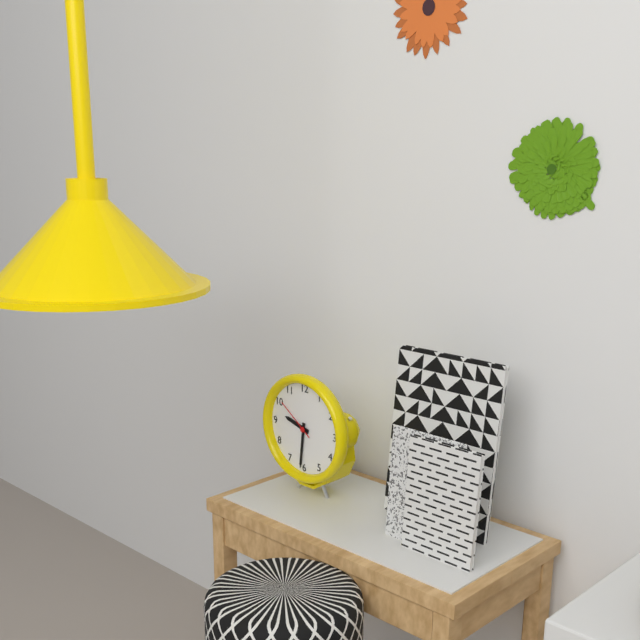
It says 9.31
